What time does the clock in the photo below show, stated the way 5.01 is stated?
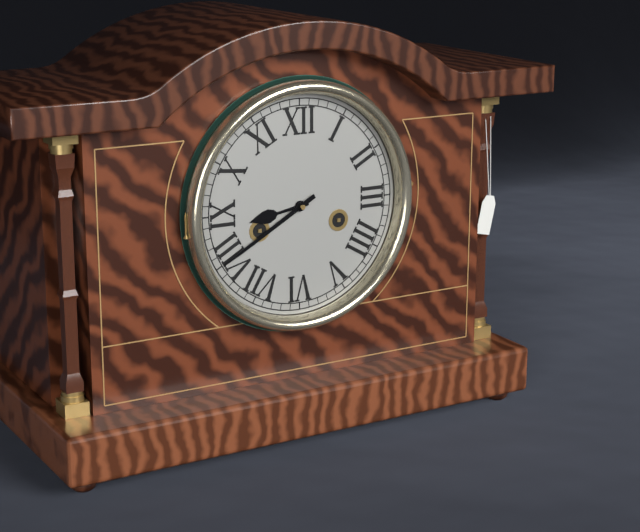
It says 8.40
